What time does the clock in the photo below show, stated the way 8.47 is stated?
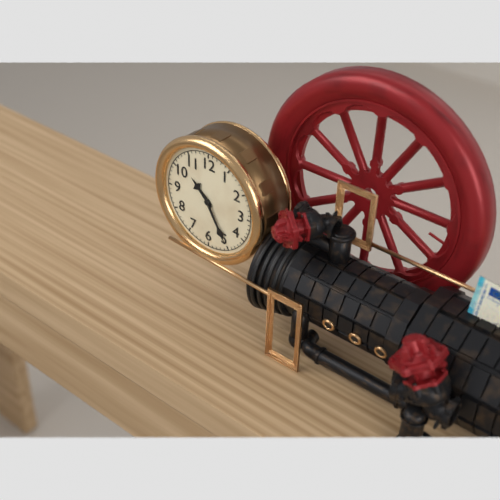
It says 10.25
